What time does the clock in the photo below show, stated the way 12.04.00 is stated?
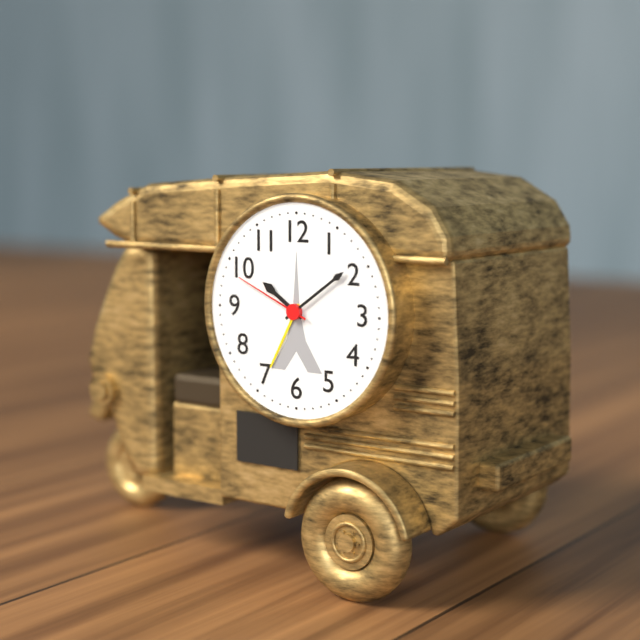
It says 10.09.49
